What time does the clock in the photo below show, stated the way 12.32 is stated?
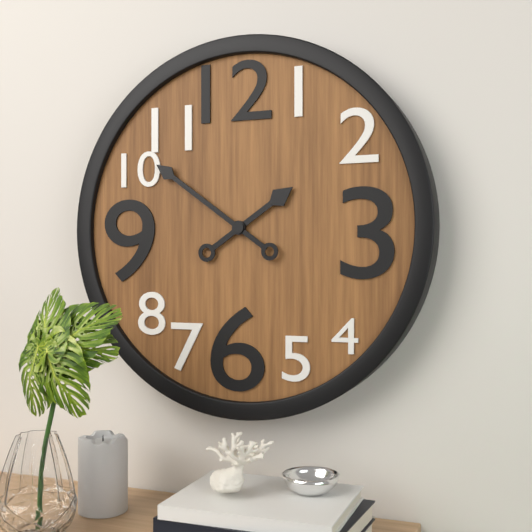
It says 1.51
